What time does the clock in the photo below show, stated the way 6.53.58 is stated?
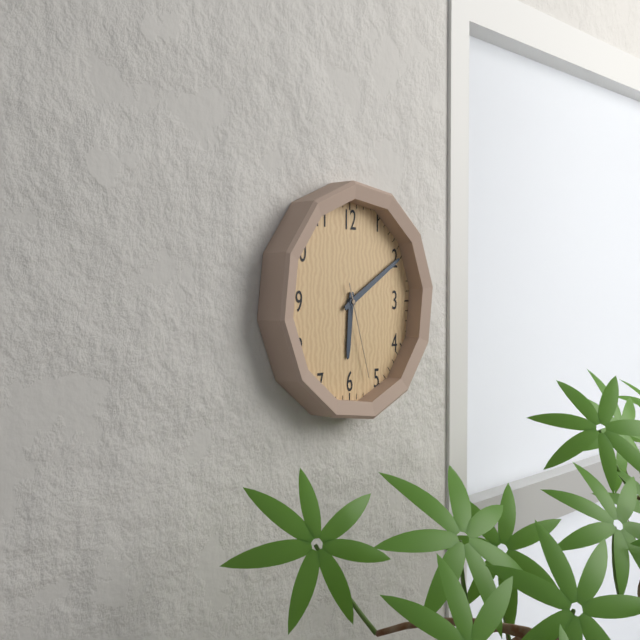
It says 6.10.27
